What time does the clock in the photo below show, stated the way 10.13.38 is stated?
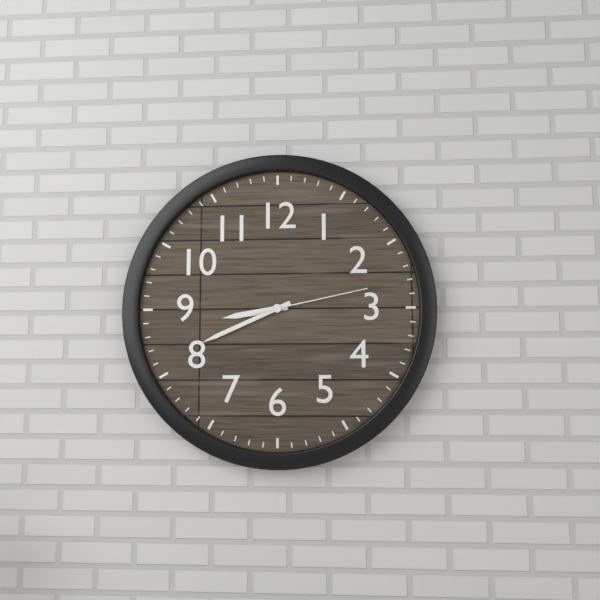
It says 8.41.13
